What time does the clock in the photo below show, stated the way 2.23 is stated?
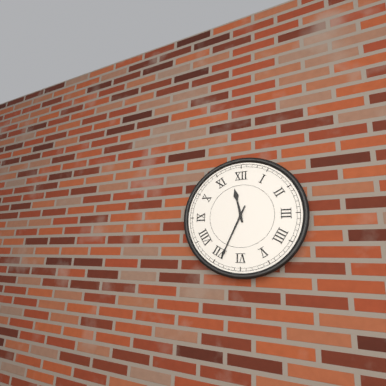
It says 11.34
